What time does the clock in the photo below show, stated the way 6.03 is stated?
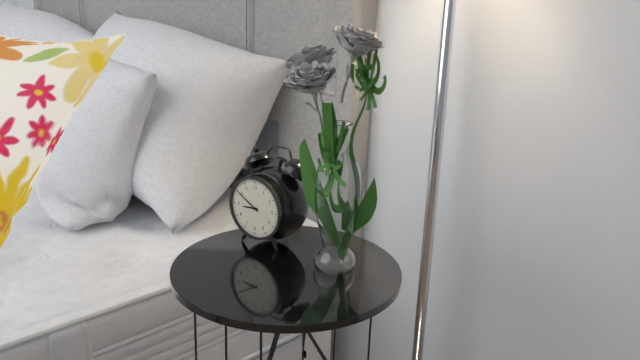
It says 8.50
